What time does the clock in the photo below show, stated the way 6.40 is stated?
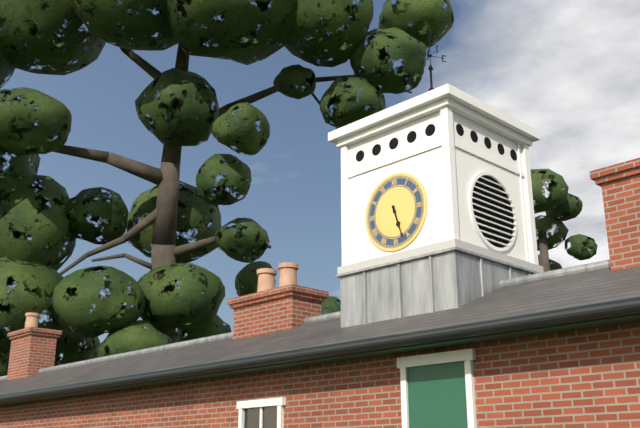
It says 5.27
